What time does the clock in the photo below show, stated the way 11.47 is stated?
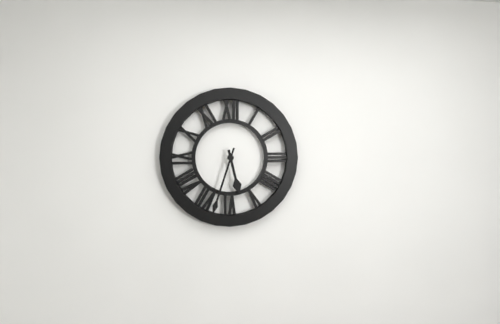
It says 5.33
